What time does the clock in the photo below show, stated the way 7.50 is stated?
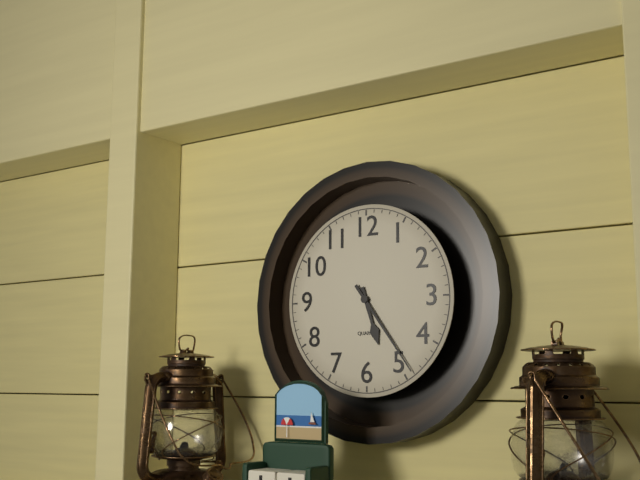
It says 5.24
